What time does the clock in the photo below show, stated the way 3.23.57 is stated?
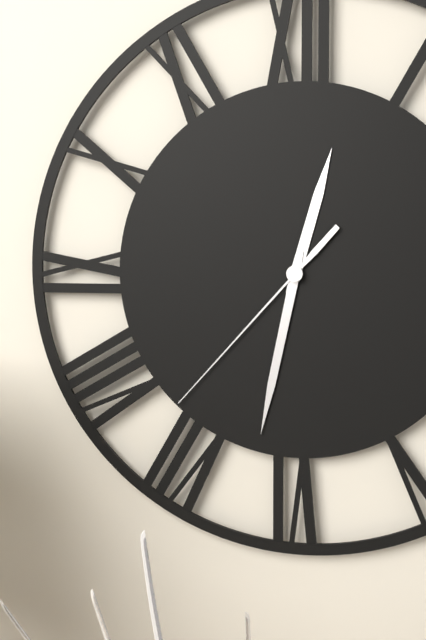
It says 12.32.37
